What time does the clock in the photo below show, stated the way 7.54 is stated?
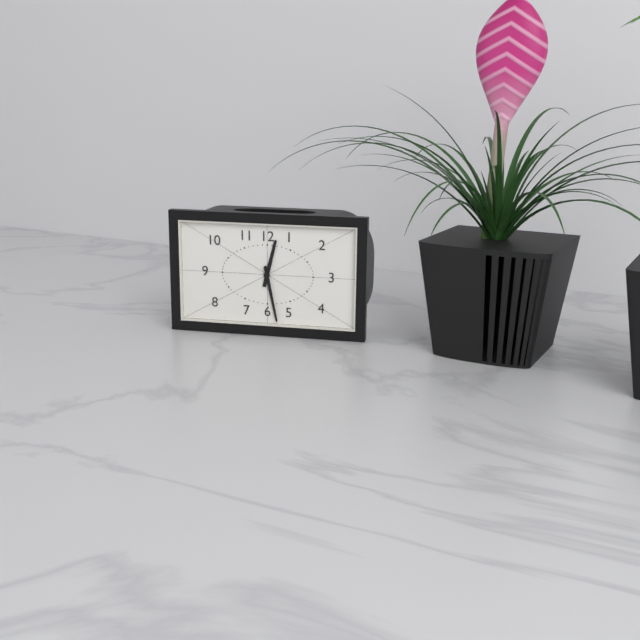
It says 12.28
